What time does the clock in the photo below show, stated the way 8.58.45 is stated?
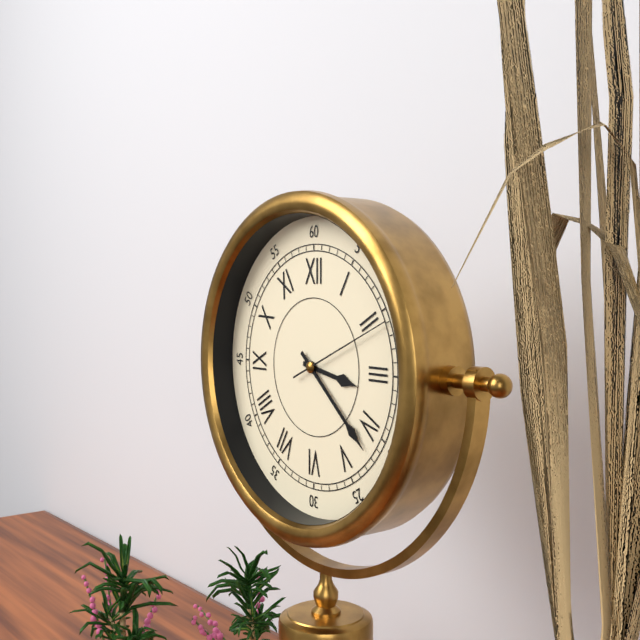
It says 3.22.11
